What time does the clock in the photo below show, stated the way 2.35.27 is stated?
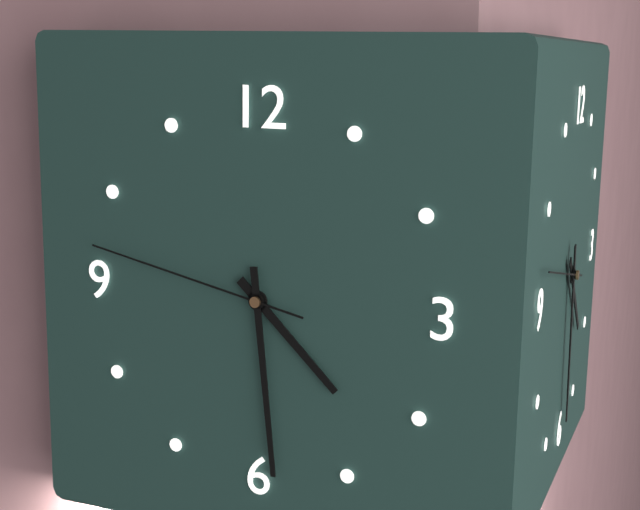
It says 4.29.47
